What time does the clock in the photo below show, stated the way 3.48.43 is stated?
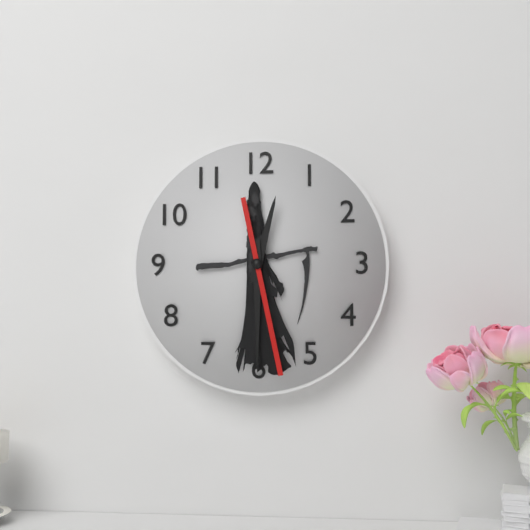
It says 12.30.28
